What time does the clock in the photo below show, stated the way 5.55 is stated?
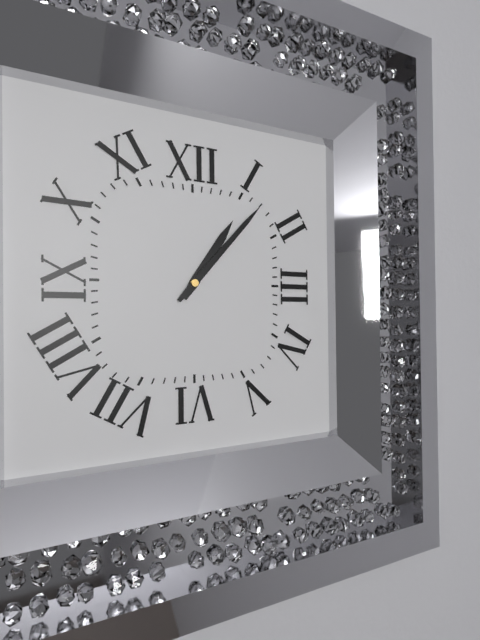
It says 1.07
